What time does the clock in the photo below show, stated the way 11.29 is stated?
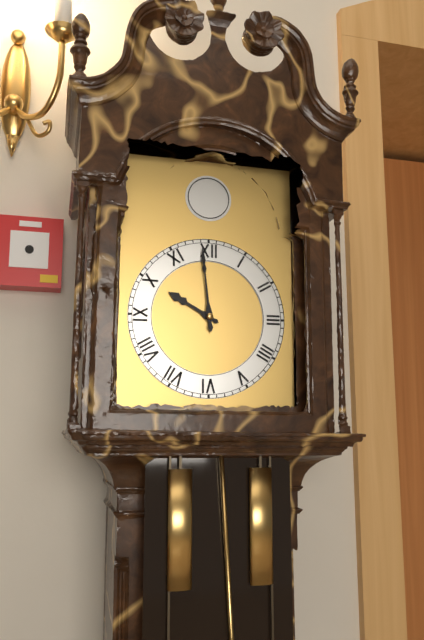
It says 9.59
